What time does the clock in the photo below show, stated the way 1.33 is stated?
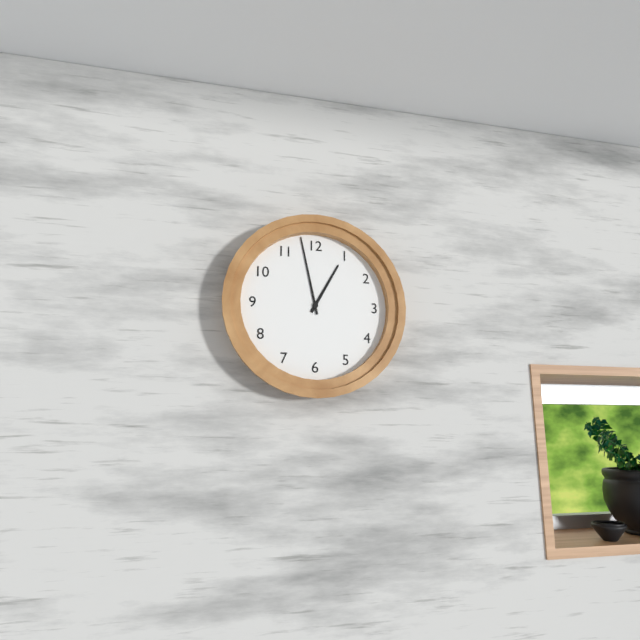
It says 12.58
